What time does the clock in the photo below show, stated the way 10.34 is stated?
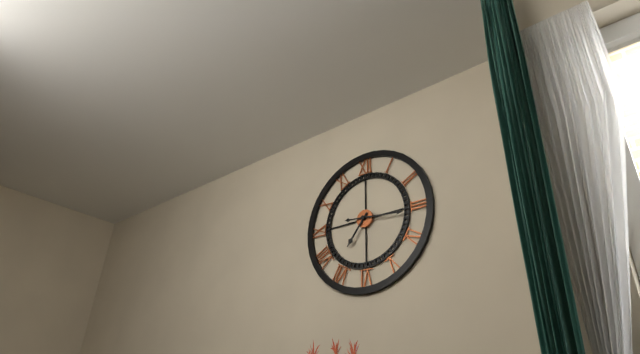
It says 7.16
